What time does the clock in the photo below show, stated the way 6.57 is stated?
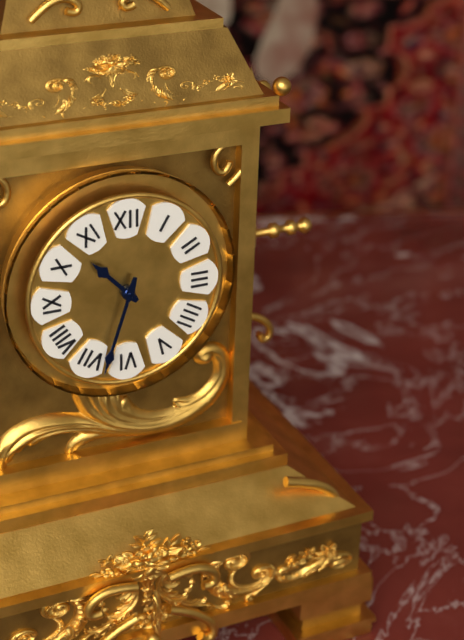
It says 10.33
